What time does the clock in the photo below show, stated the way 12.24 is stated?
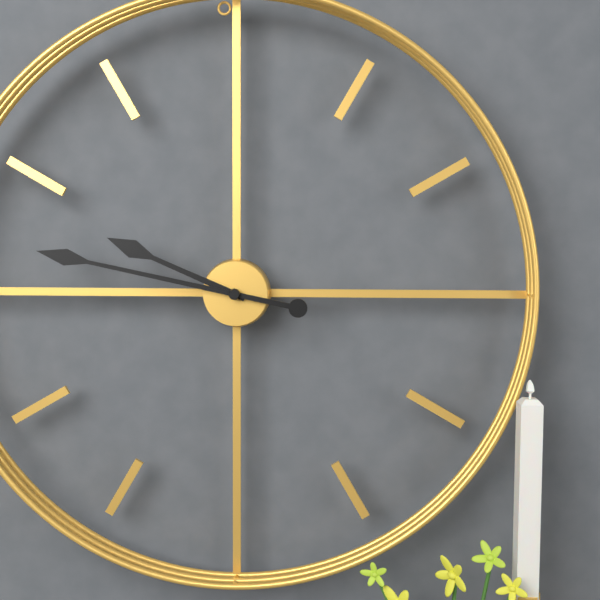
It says 9.47
